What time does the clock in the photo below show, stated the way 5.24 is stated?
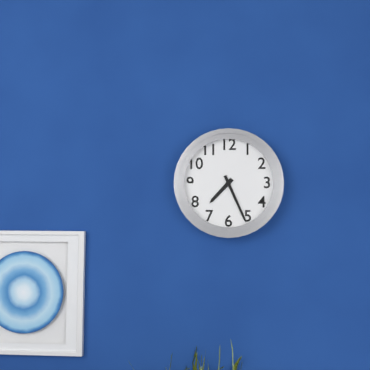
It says 7.26
